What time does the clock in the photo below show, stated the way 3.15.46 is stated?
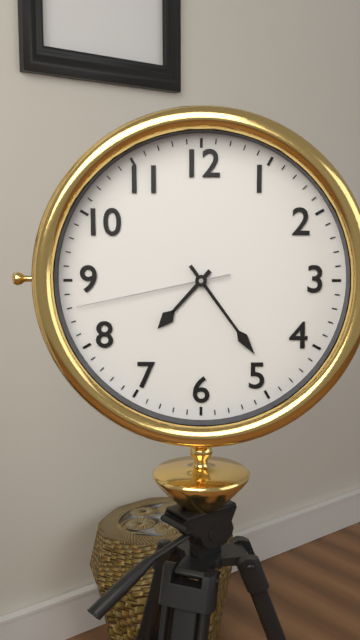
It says 7.24.43
